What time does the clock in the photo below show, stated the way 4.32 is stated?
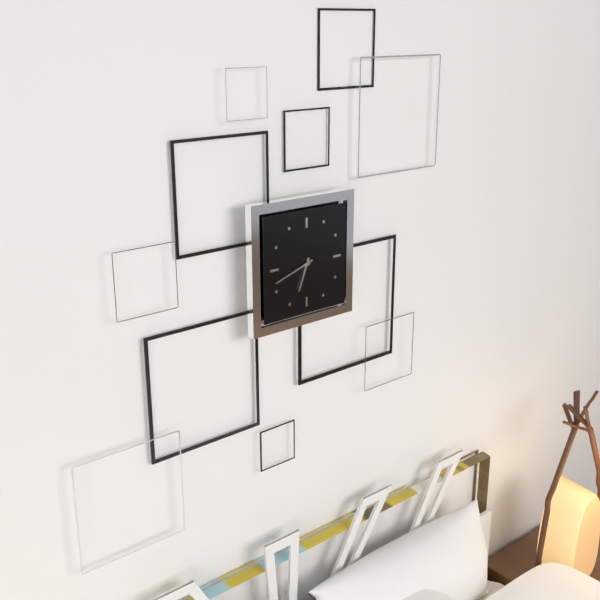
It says 6.42
